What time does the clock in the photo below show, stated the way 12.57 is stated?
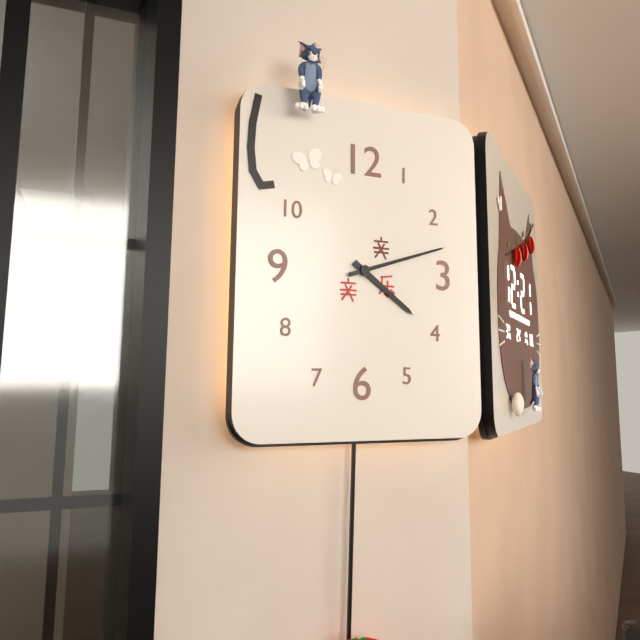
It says 4.12
